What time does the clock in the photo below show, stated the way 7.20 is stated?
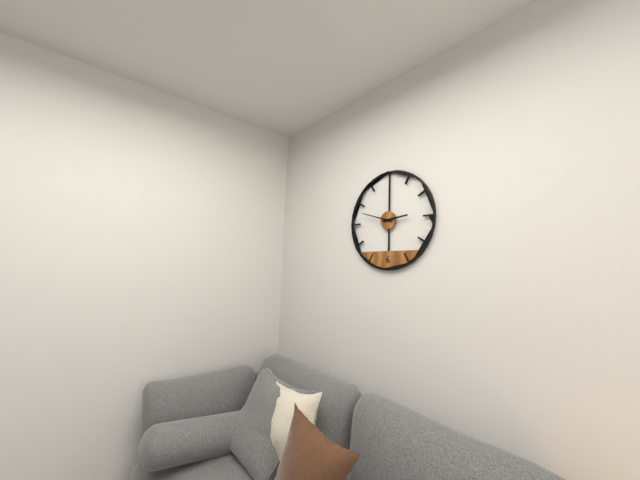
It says 2.48
